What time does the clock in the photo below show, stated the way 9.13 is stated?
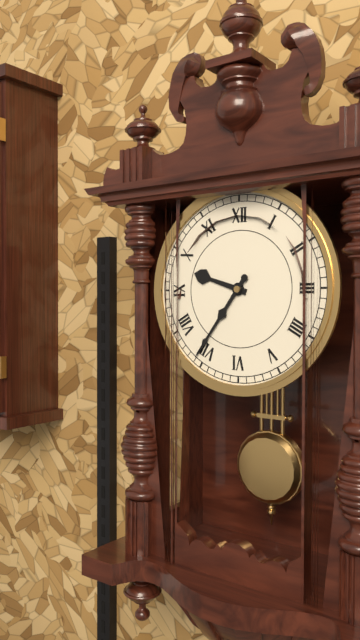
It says 9.36
